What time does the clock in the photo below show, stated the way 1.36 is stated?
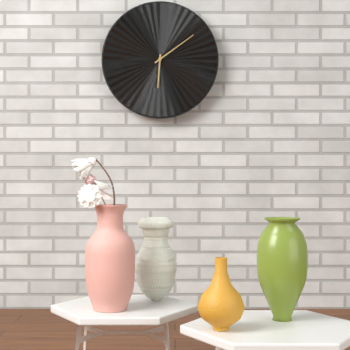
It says 6.09
